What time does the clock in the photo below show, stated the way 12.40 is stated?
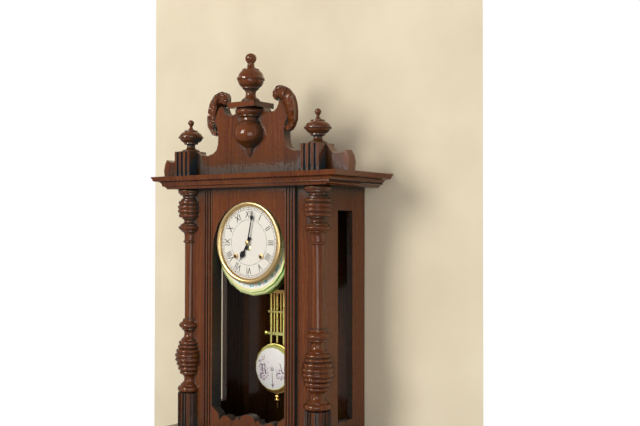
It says 7.02
